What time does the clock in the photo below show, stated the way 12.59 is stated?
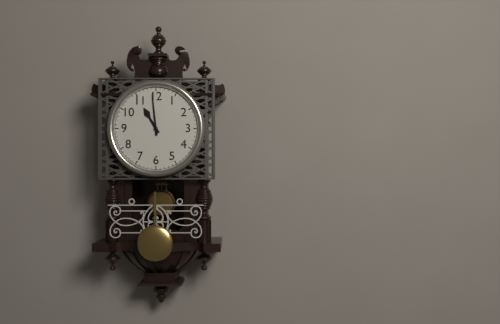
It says 10.59
